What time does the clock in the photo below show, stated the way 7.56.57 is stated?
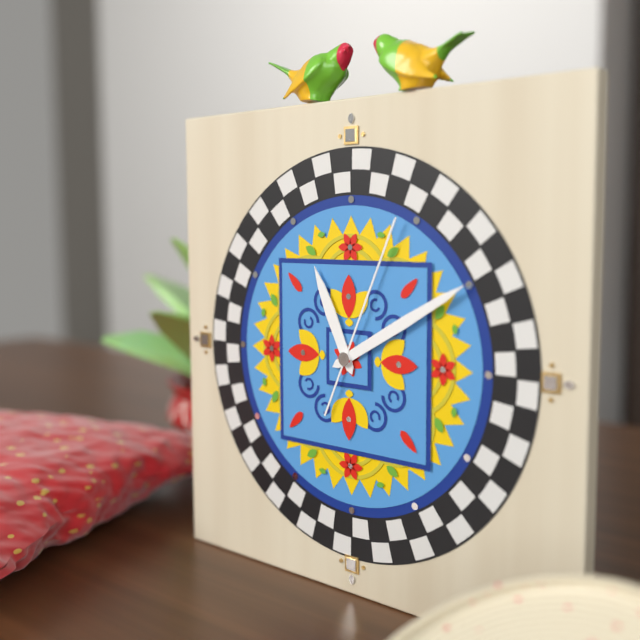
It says 11.10.04
